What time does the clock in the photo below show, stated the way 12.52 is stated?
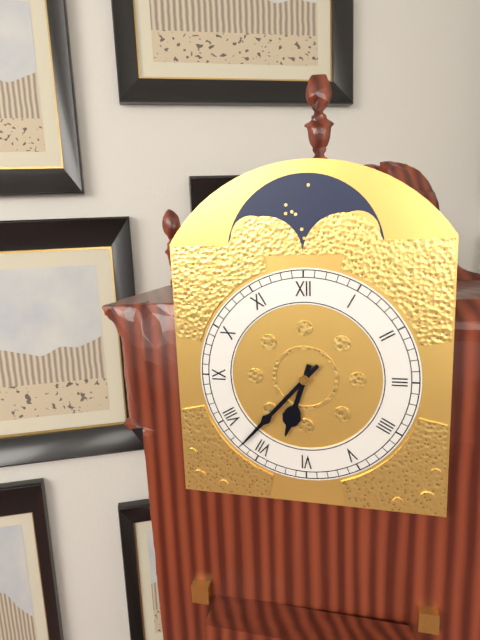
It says 6.37
